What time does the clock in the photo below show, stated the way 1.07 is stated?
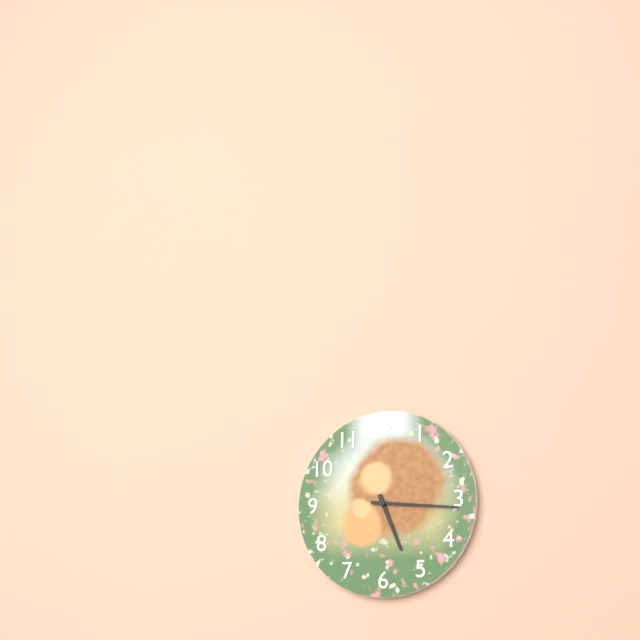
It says 5.16
